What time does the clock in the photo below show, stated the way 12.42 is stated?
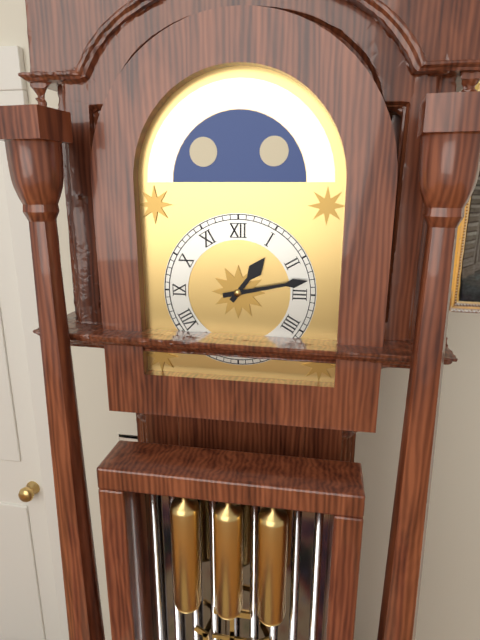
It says 1.13
